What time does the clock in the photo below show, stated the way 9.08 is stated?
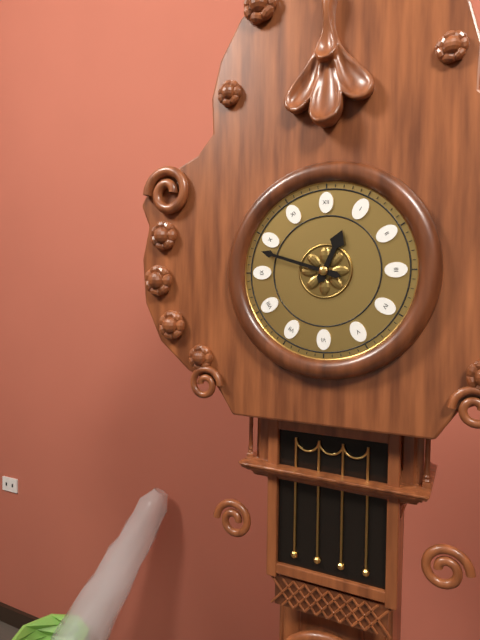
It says 12.48
